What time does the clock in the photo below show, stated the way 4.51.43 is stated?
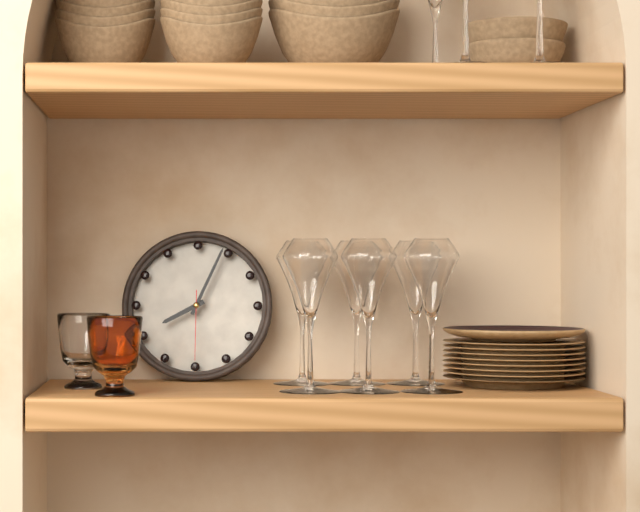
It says 8.04.30
